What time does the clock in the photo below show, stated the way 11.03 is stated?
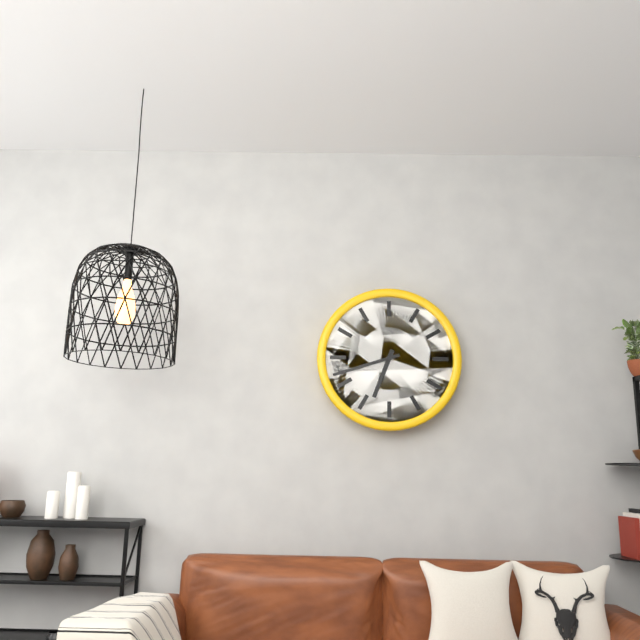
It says 6.42
